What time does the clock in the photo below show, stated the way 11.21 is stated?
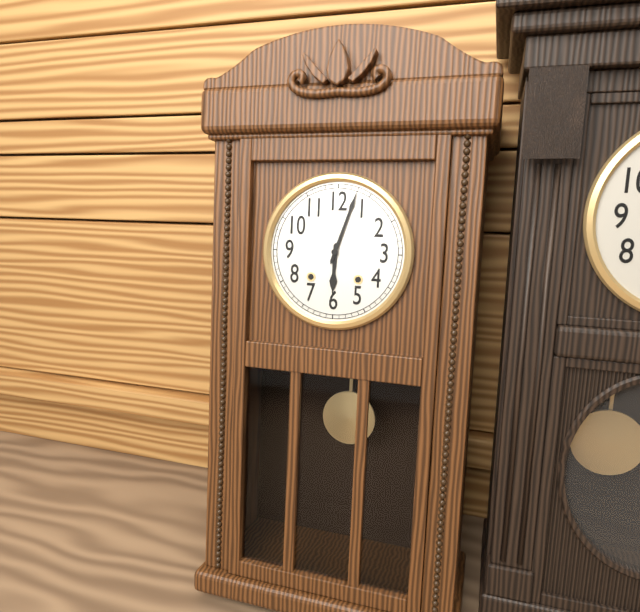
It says 6.03
